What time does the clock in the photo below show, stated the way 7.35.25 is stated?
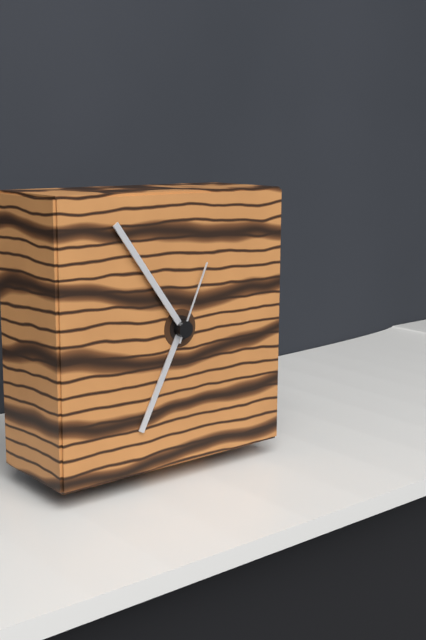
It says 6.54.04
